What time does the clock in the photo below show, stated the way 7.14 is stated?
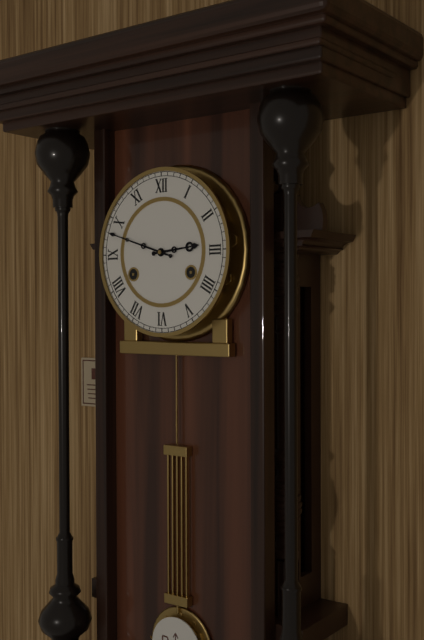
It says 2.48
